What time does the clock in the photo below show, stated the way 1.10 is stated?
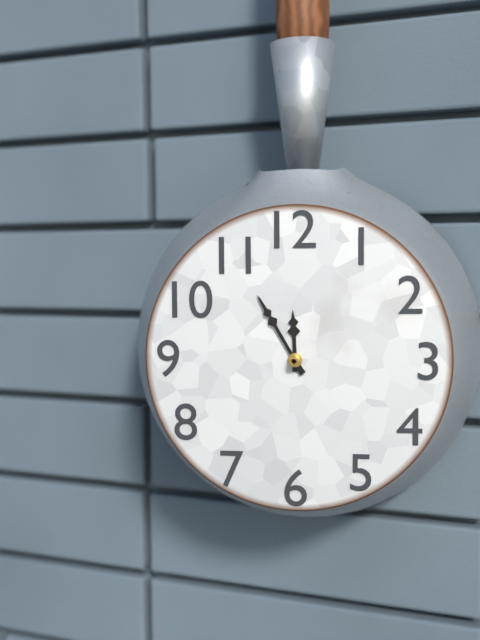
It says 11.55
